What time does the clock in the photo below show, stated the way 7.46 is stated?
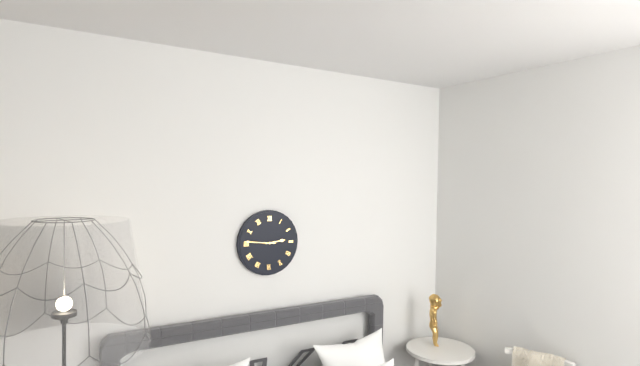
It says 2.46
